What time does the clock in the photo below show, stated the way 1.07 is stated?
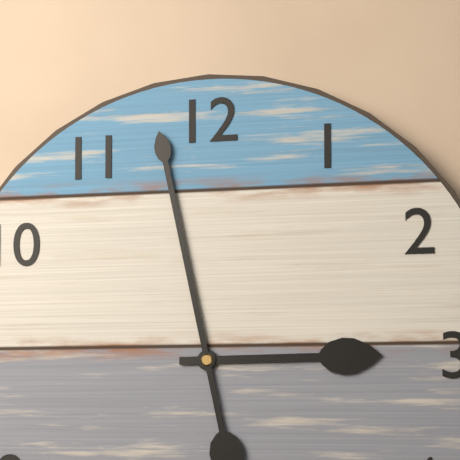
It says 2.58
